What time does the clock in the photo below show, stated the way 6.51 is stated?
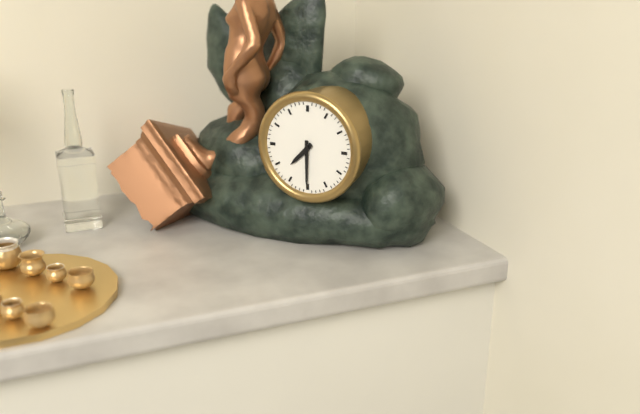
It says 7.30
